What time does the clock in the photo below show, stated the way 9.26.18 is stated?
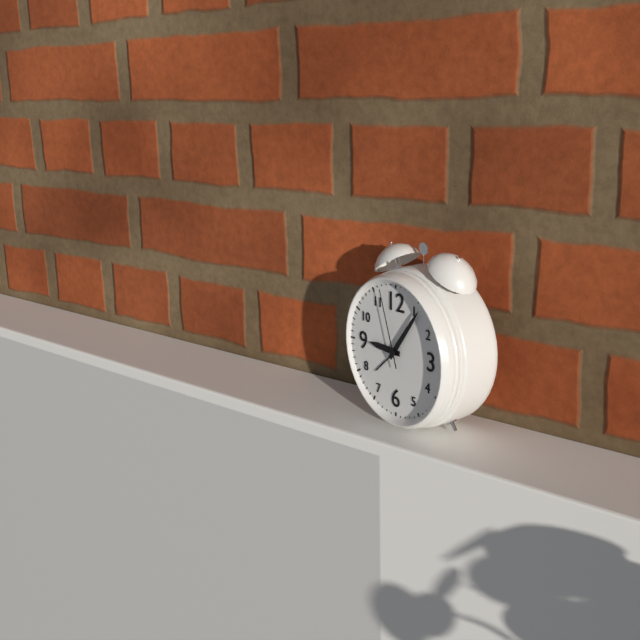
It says 9.06.57
